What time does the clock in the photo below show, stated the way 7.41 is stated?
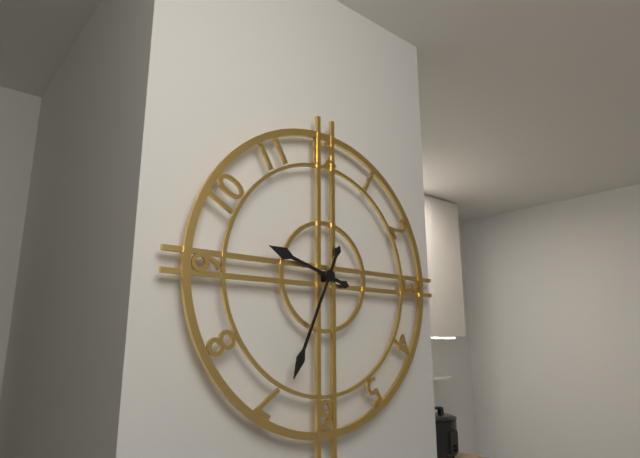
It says 9.34
